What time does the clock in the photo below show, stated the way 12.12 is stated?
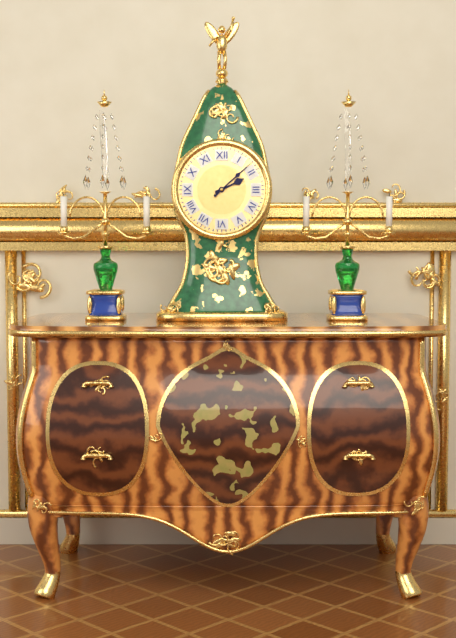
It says 2.08
